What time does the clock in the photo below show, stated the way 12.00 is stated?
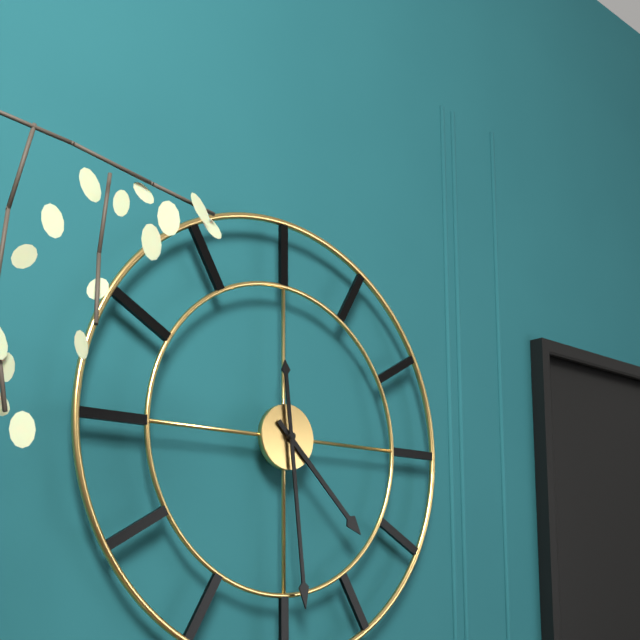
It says 4.29
